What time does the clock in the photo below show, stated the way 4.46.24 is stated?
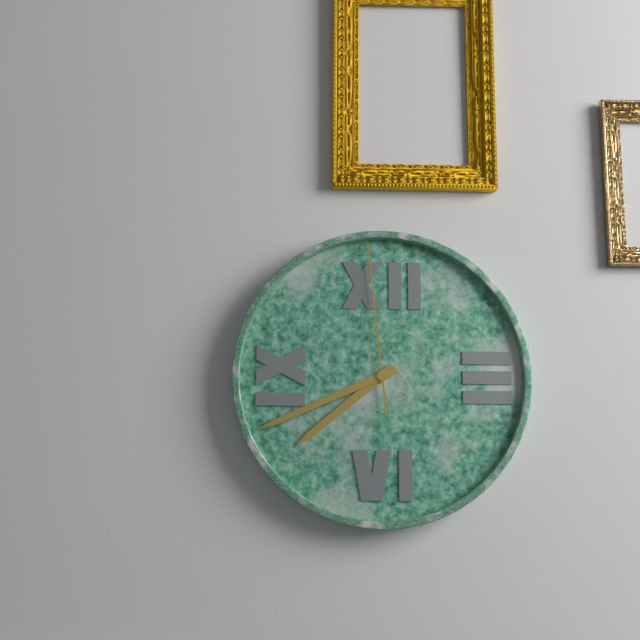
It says 7.41.59
